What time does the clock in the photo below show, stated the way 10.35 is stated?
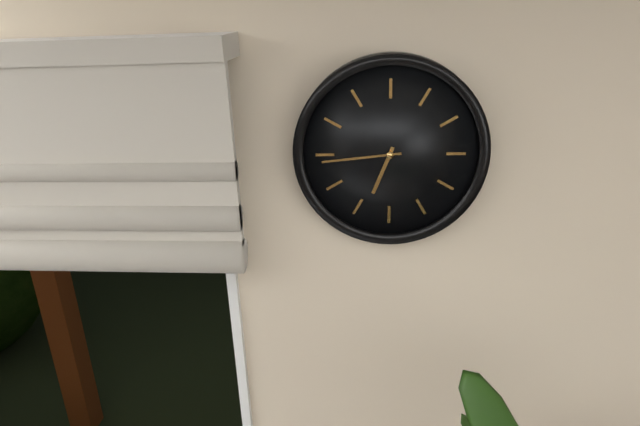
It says 6.44
